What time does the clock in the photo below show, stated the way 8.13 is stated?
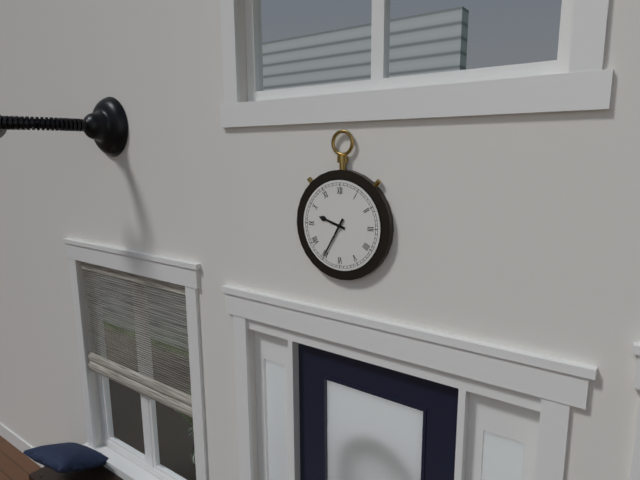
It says 9.35
